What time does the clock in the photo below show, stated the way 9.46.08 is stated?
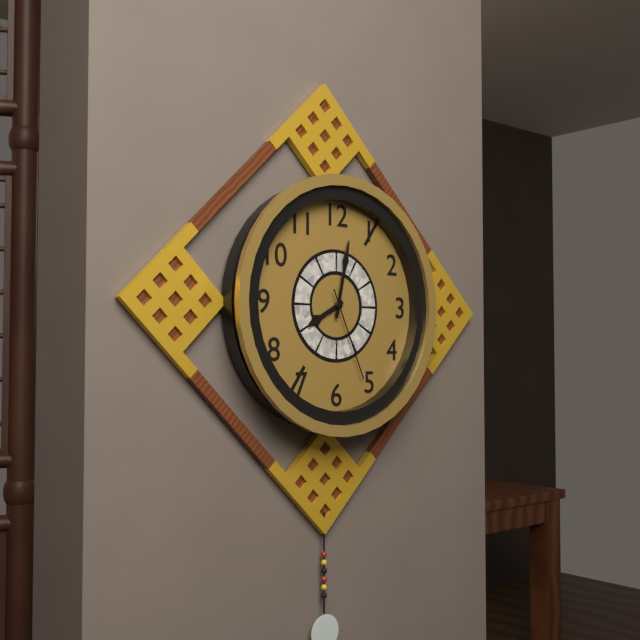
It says 8.02.26
